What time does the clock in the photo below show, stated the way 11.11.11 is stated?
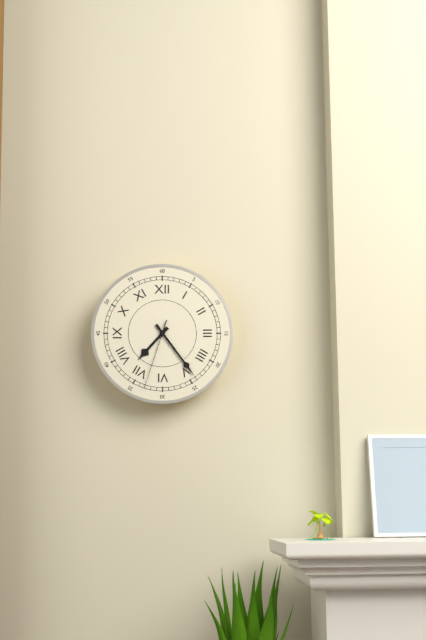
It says 7.24.33
